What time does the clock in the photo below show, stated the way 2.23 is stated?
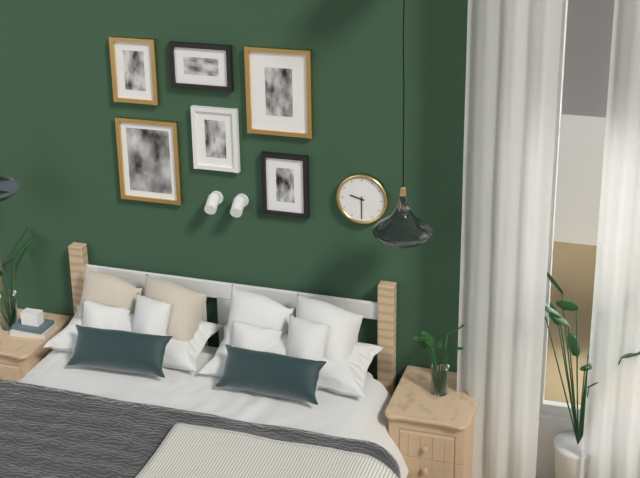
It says 9.30
